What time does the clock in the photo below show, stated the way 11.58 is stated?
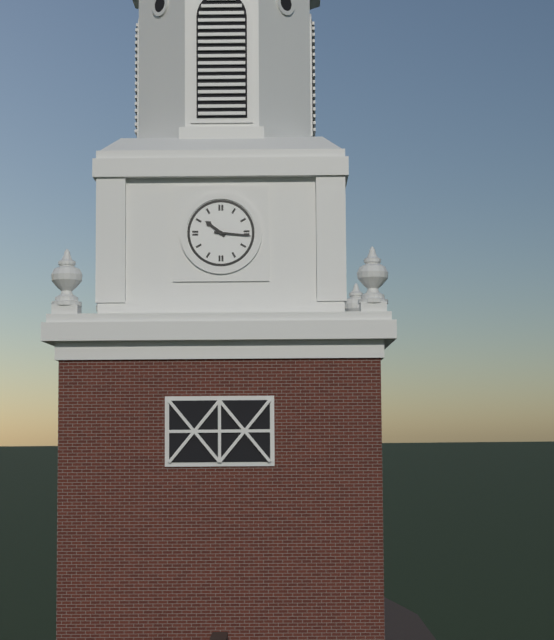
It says 10.16
